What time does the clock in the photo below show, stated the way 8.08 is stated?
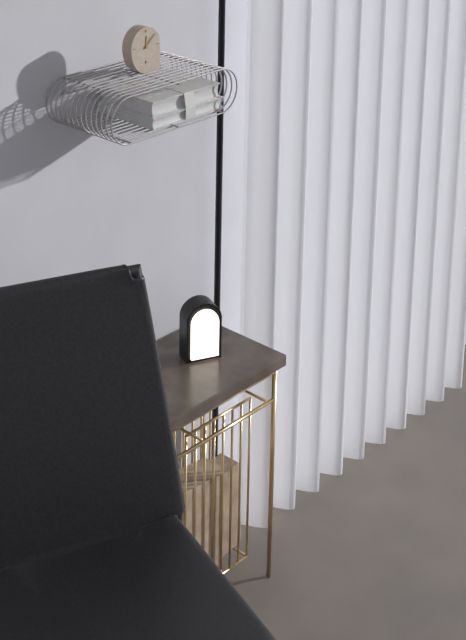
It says 12.08
